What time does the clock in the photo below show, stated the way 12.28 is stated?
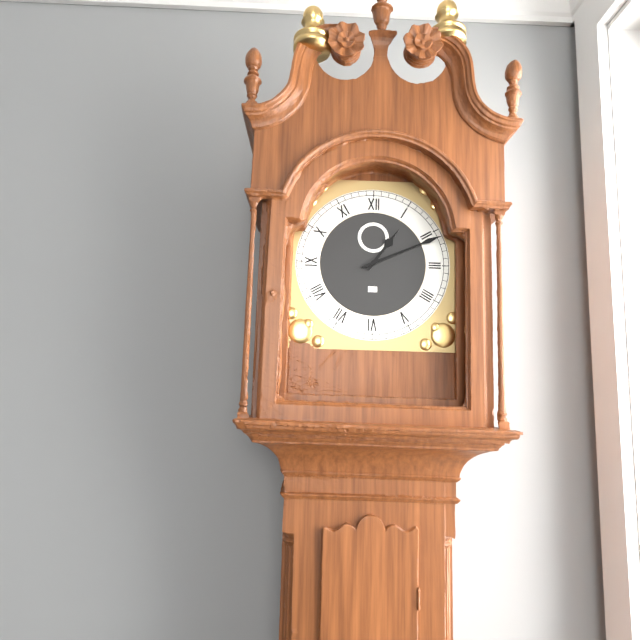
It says 1.11
